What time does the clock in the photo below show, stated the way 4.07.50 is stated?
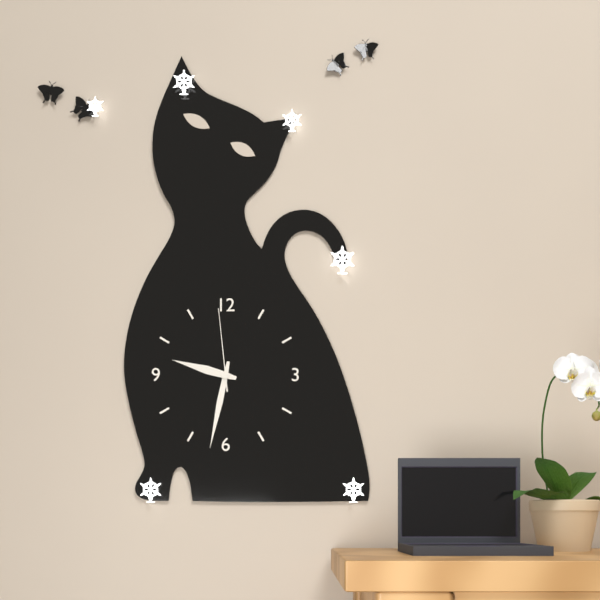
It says 9.32.59
